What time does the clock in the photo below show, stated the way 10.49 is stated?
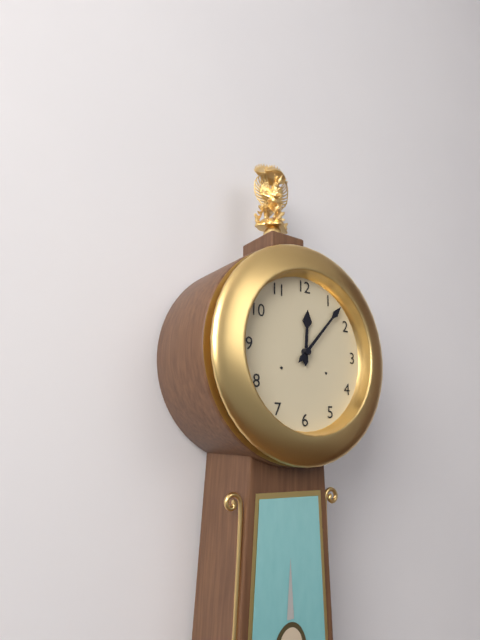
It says 12.07
